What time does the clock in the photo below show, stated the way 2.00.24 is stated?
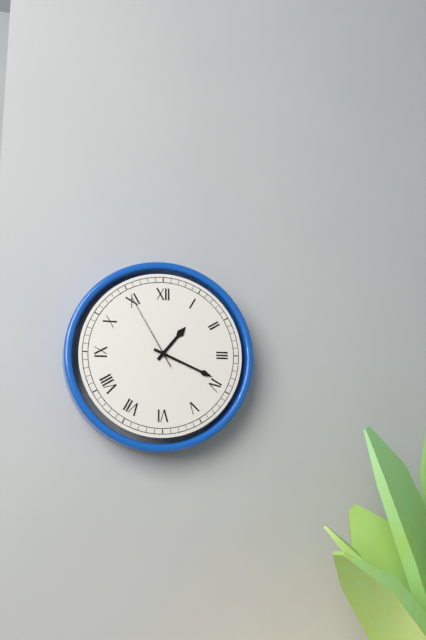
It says 1.19.55
